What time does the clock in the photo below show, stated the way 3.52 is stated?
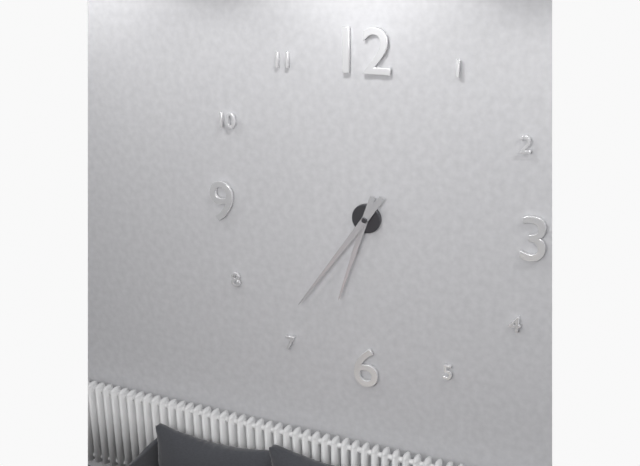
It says 6.36
